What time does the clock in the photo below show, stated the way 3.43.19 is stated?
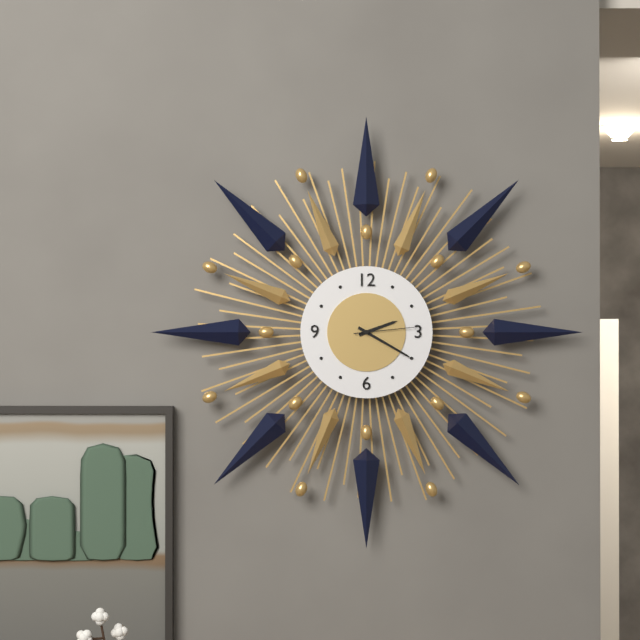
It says 2.20.14
